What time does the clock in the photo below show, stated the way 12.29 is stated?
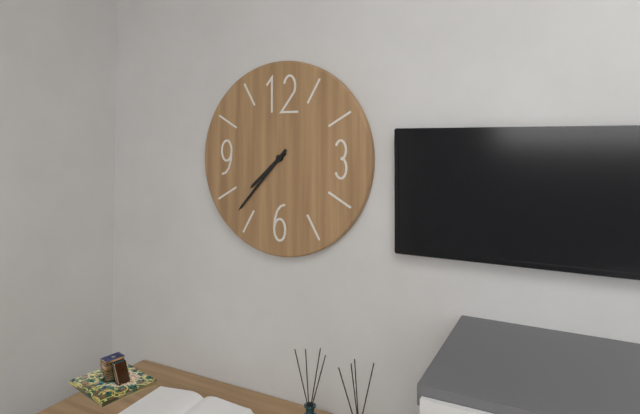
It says 7.37
